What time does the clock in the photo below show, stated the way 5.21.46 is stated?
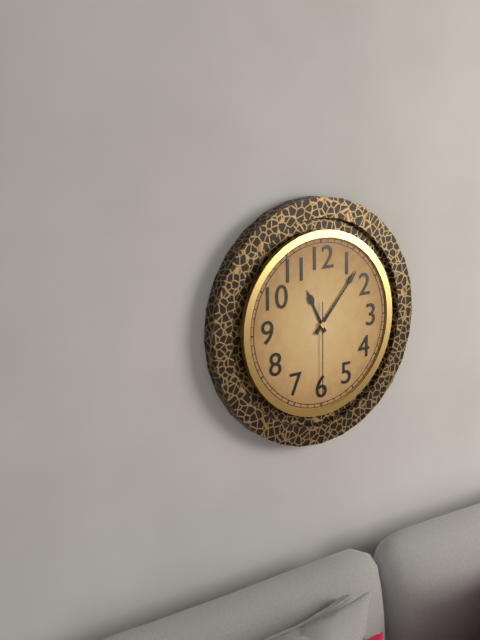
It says 11.07.30
